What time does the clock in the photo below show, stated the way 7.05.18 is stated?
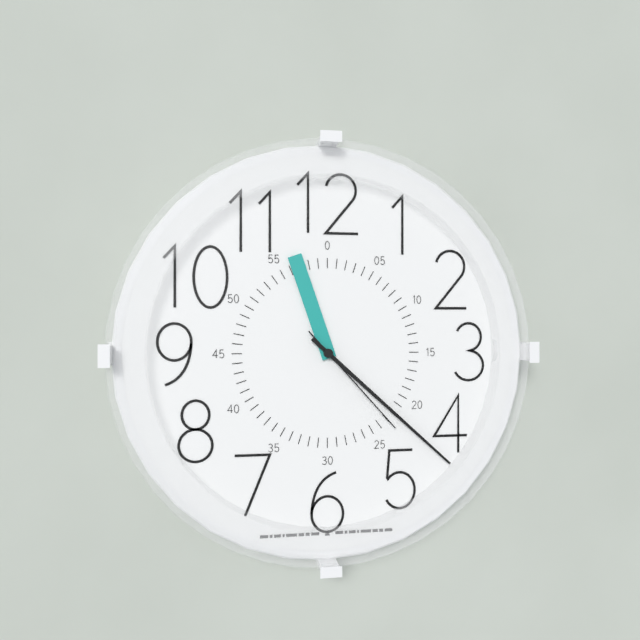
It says 11.22.23
